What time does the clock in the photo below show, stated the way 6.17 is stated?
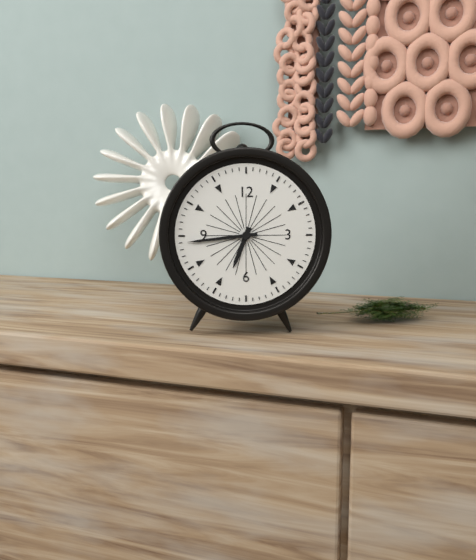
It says 6.44
